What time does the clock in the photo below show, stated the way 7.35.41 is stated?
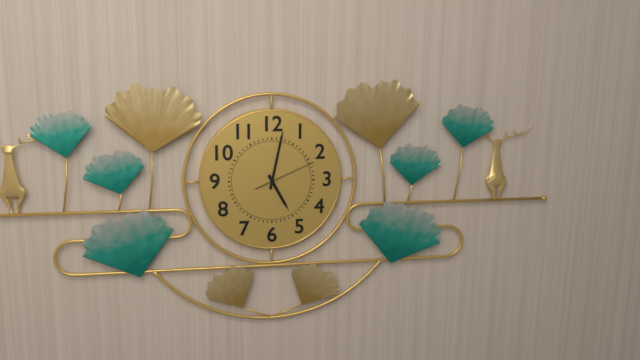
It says 5.02.11
